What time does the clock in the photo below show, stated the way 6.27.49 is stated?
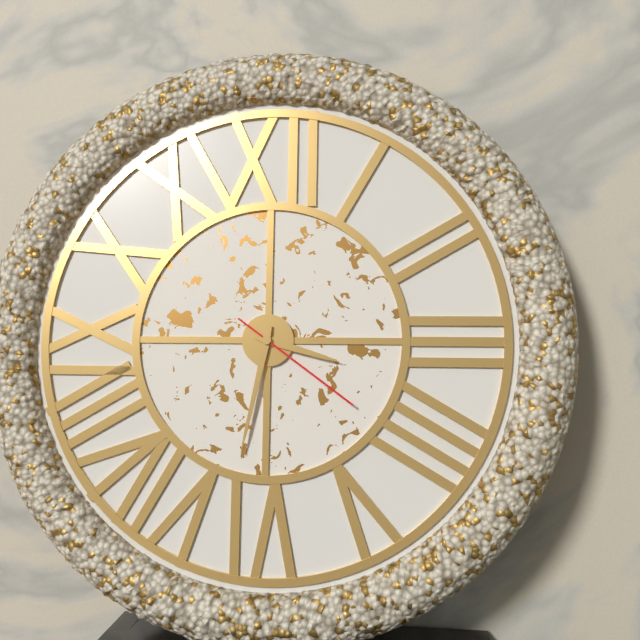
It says 3.32.21
